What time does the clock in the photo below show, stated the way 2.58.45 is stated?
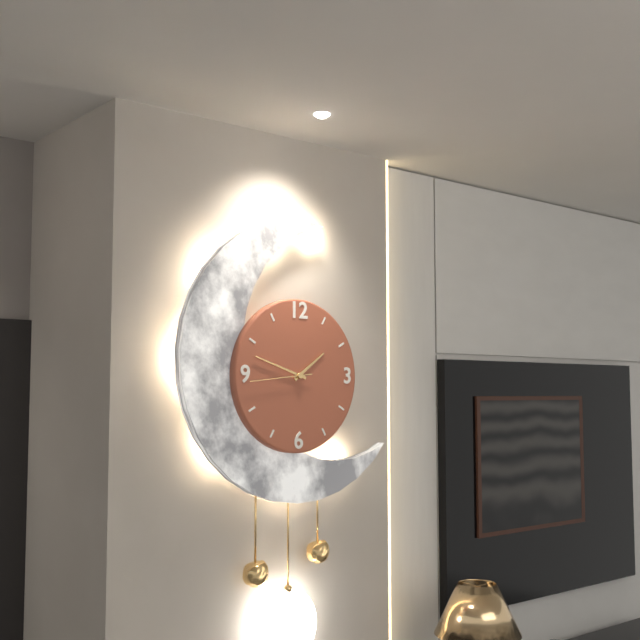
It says 1.48.44
